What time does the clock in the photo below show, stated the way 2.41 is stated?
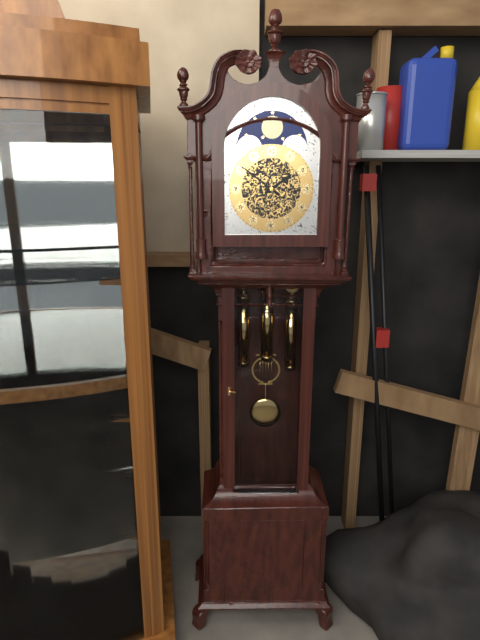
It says 1.51
